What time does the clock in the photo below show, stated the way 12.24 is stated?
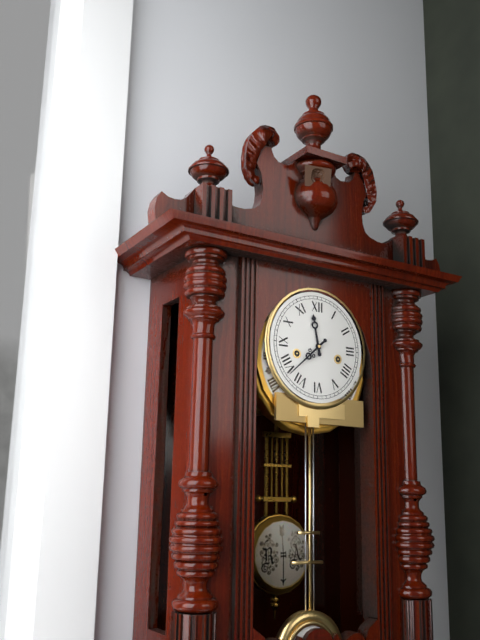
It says 11.38
